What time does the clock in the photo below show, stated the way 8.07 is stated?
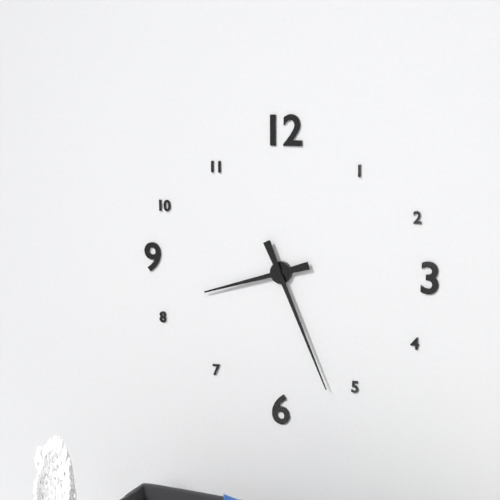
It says 8.26
